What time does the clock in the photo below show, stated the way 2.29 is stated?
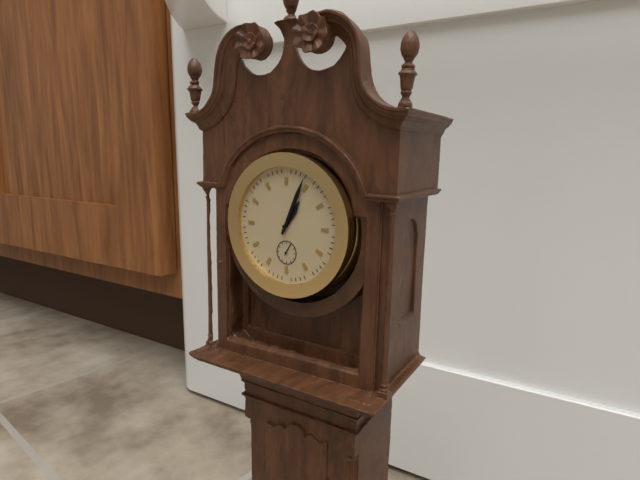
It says 1.04
